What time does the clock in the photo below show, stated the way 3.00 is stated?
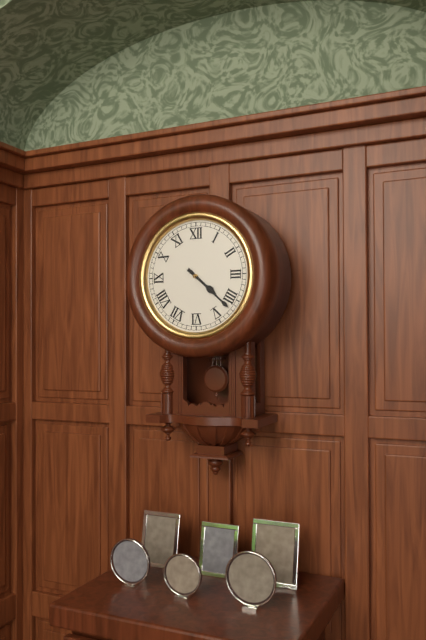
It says 4.22
